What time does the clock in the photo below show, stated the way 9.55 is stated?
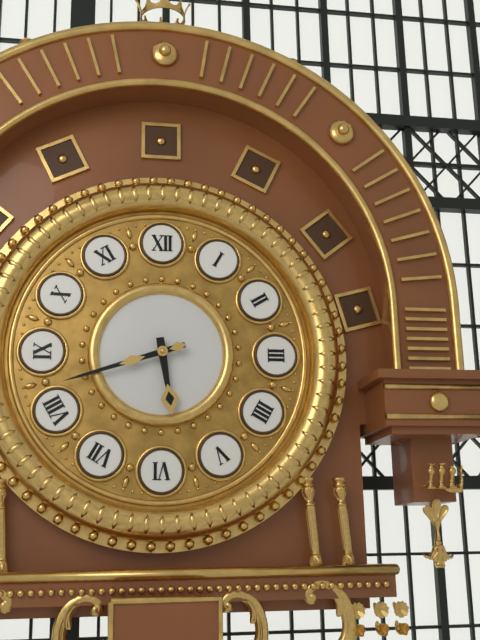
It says 5.42
